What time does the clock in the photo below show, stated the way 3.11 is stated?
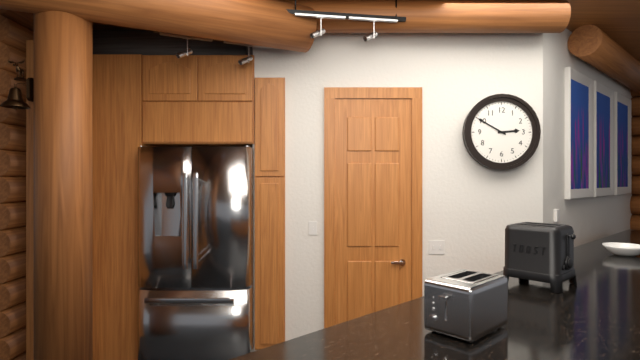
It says 2.50
